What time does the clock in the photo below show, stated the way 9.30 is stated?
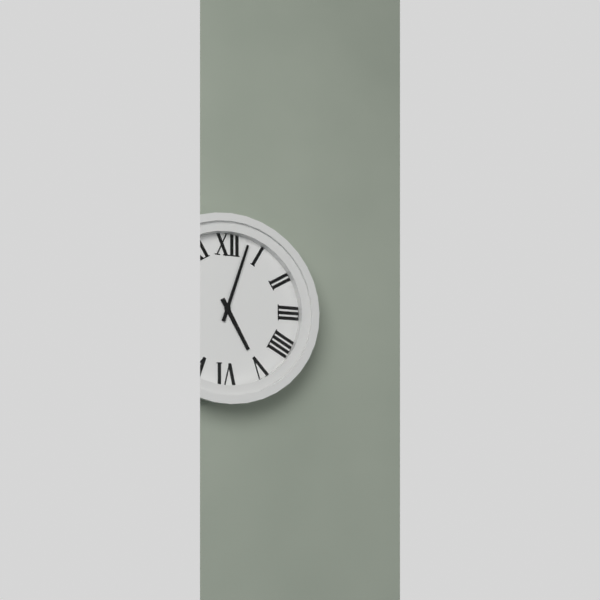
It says 5.03
